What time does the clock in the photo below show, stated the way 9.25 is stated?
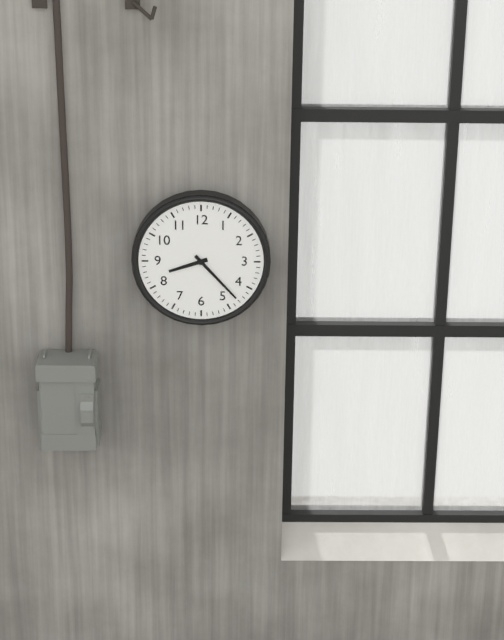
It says 8.23
